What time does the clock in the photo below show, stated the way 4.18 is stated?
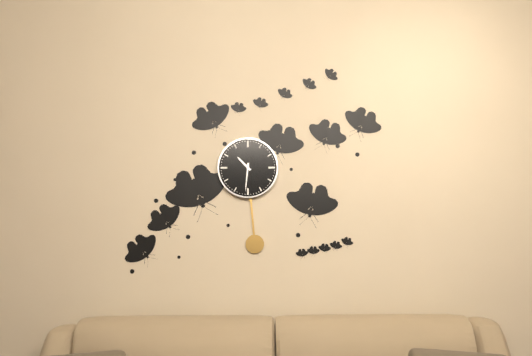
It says 10.31
